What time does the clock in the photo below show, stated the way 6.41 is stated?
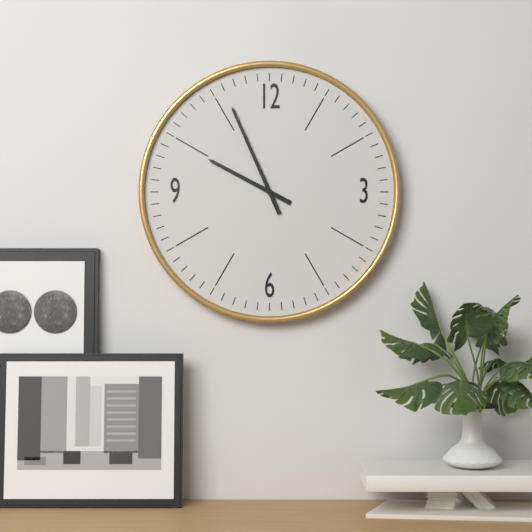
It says 9.56
